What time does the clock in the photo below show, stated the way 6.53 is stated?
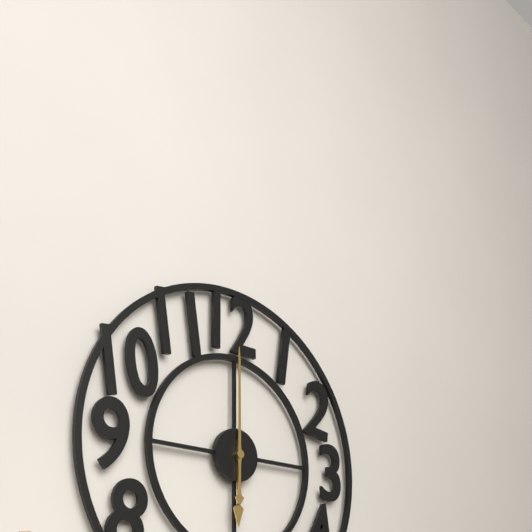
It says 6.00
